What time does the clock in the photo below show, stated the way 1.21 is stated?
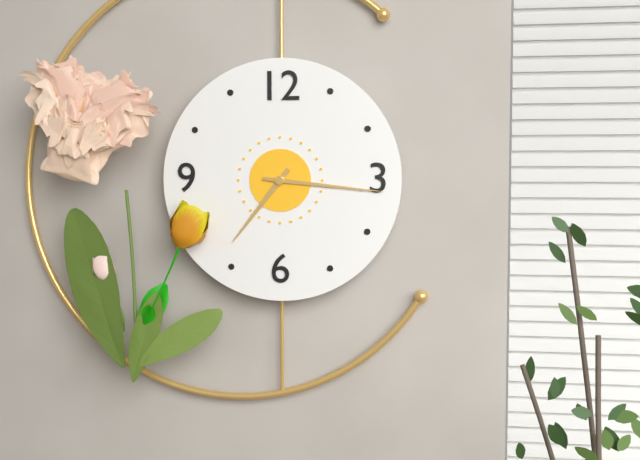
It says 7.16
